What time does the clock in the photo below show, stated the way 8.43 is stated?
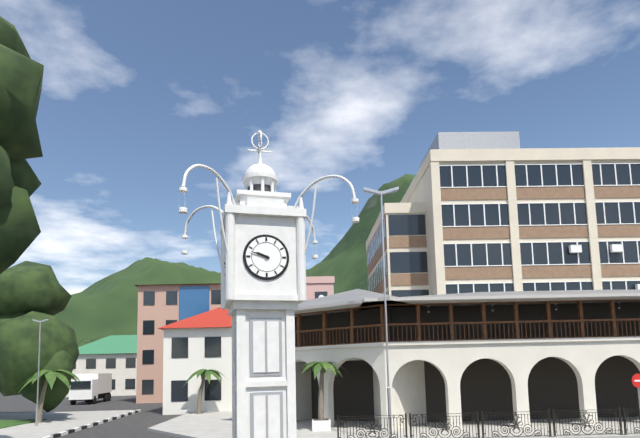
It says 9.48
